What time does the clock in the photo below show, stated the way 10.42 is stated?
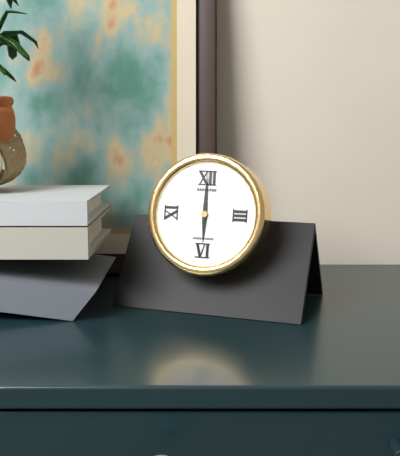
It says 6.00
